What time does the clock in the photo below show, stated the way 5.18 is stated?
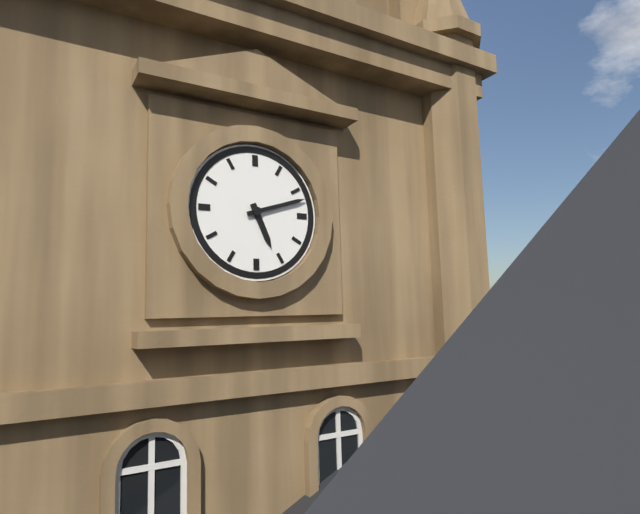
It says 5.12
